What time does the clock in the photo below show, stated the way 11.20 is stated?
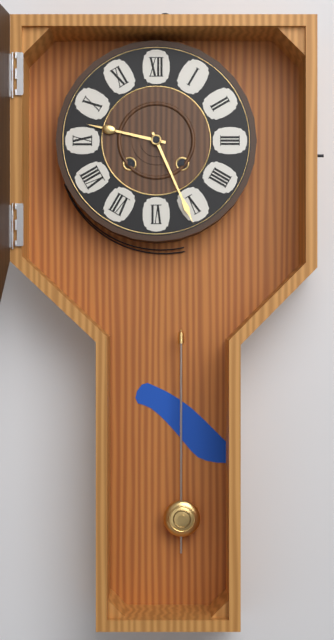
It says 9.26
